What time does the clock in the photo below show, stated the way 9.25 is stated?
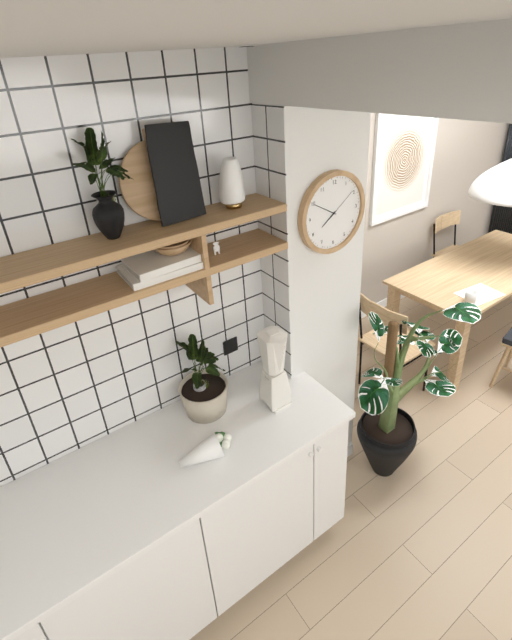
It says 7.50
